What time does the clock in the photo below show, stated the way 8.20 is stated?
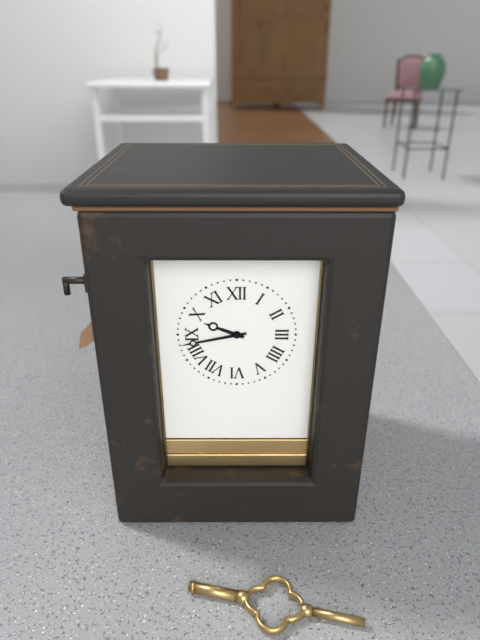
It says 9.43
